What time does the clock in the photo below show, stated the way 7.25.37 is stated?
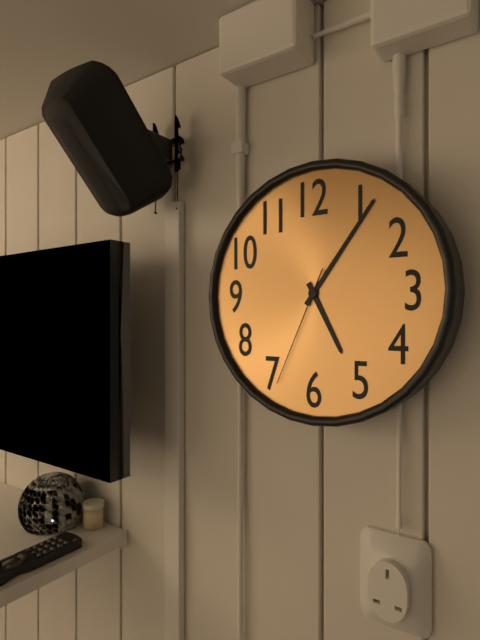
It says 5.06.34
